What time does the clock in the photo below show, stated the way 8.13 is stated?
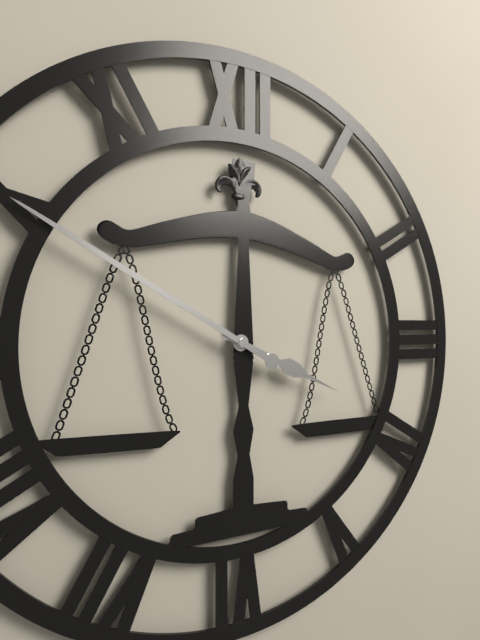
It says 3.50
